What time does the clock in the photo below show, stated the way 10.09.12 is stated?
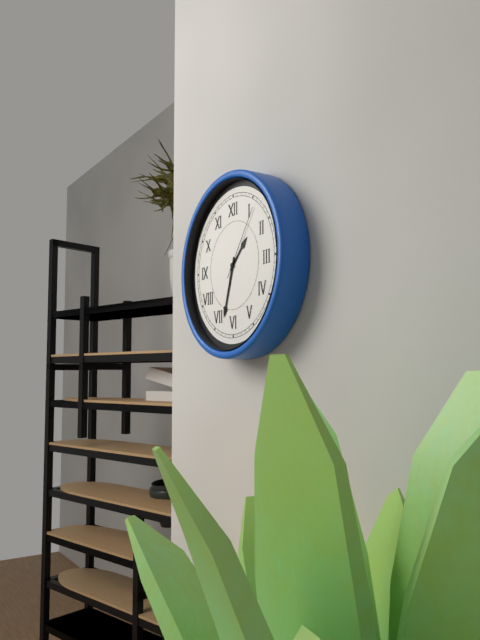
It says 1.33.06
